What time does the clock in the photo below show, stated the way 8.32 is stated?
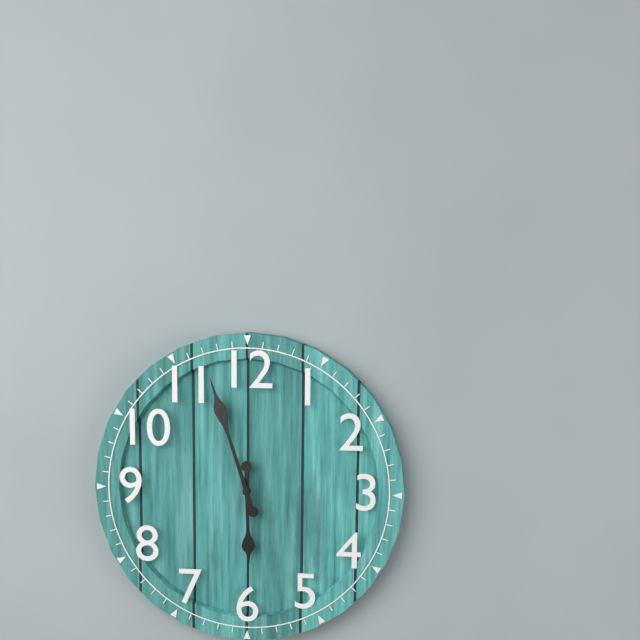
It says 5.57
